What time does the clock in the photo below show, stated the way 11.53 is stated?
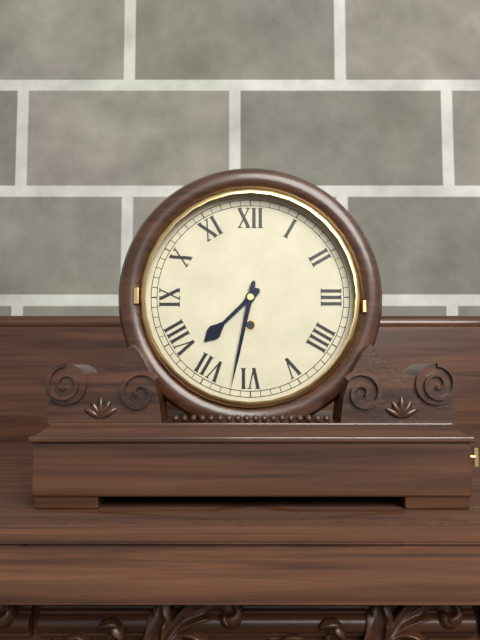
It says 7.32
